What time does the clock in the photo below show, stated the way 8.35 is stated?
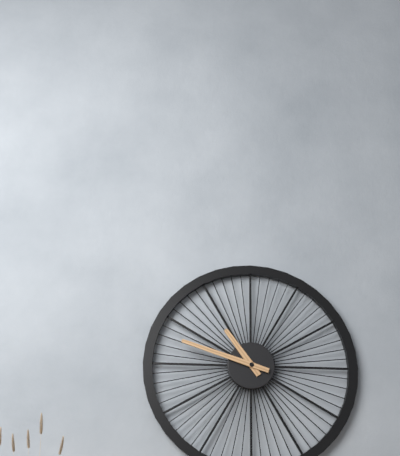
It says 10.48
